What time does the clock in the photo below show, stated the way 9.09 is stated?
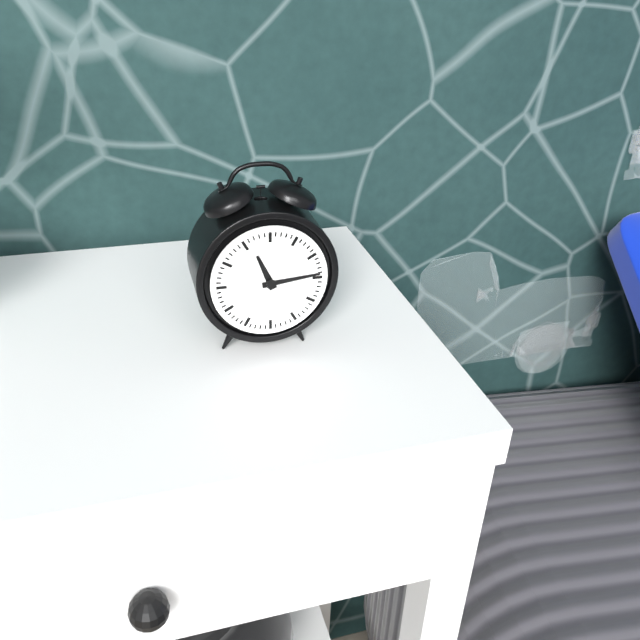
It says 11.14
